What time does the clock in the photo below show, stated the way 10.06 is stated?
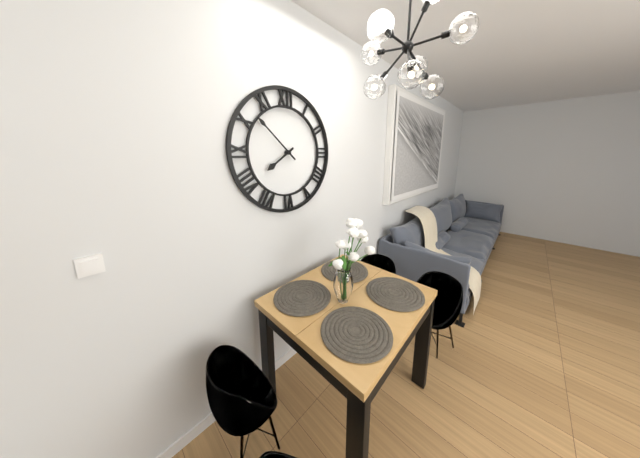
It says 7.52
